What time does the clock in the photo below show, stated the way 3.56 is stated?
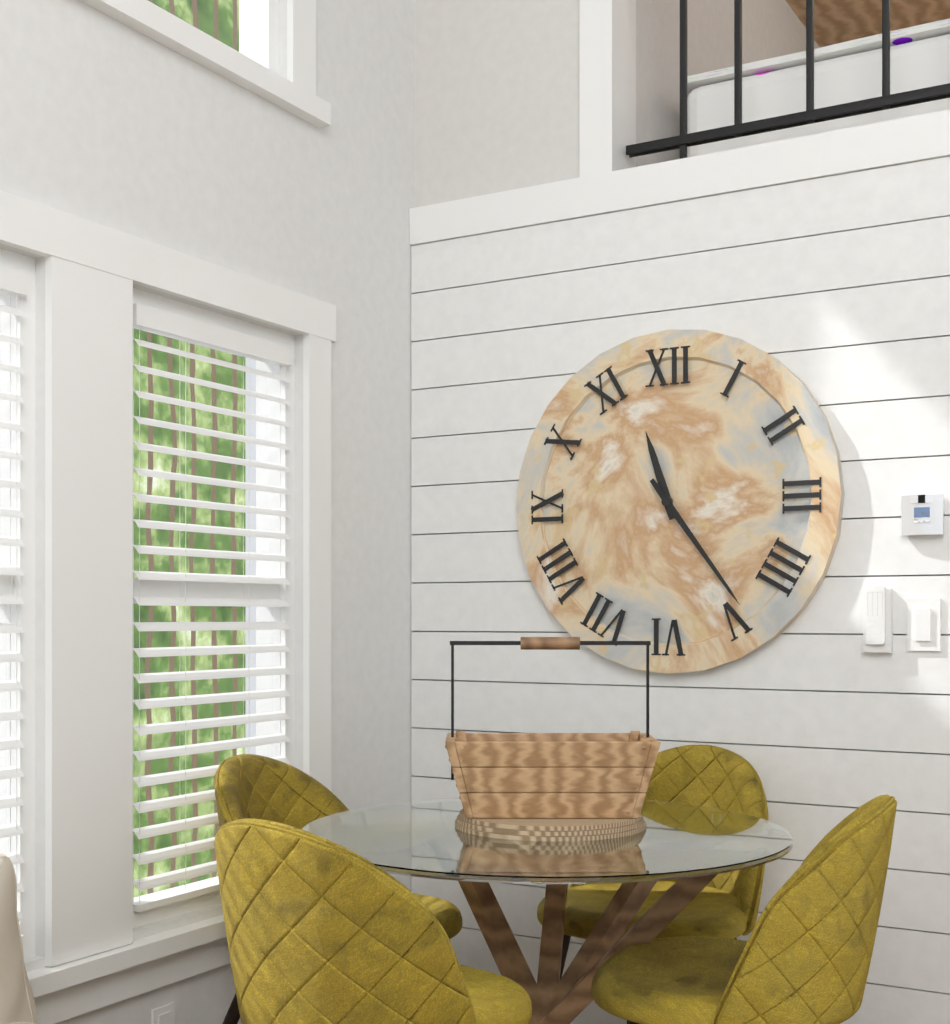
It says 11.24
